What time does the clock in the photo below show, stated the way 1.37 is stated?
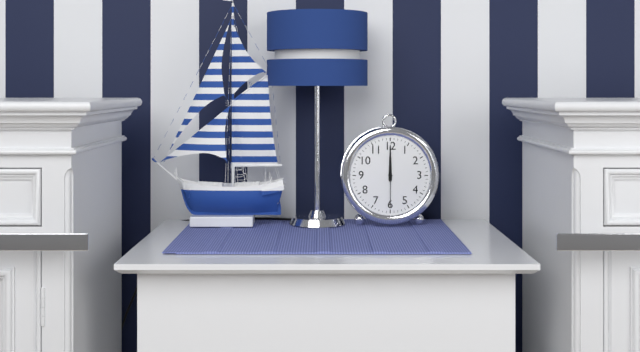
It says 12.00
